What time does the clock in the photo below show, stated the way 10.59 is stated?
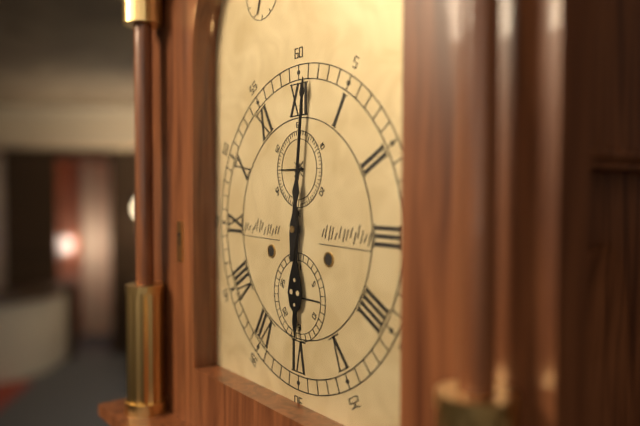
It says 6.01
